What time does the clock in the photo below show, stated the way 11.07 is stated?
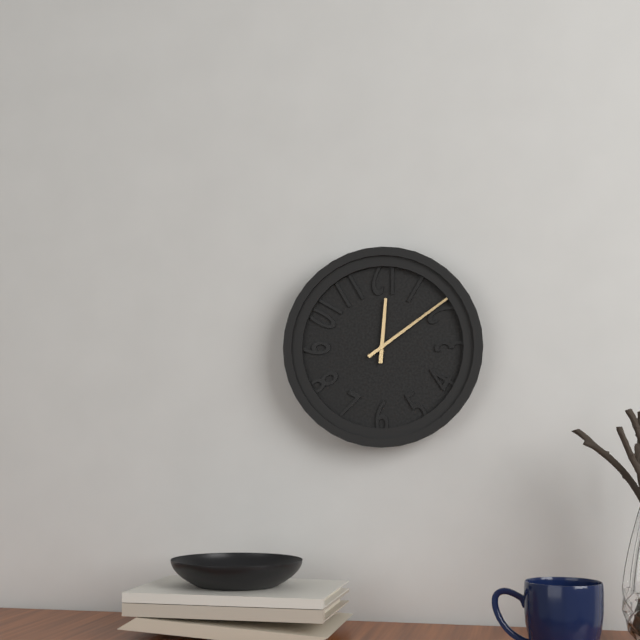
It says 12.09
